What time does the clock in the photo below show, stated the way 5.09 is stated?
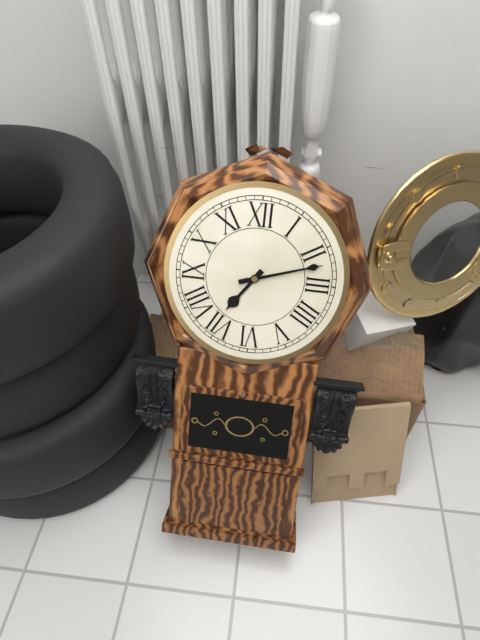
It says 7.12
